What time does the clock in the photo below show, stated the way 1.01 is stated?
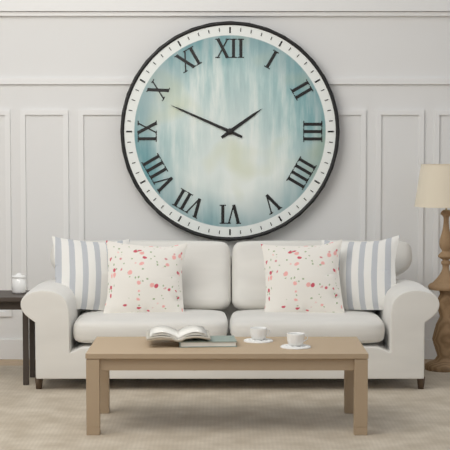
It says 1.49
